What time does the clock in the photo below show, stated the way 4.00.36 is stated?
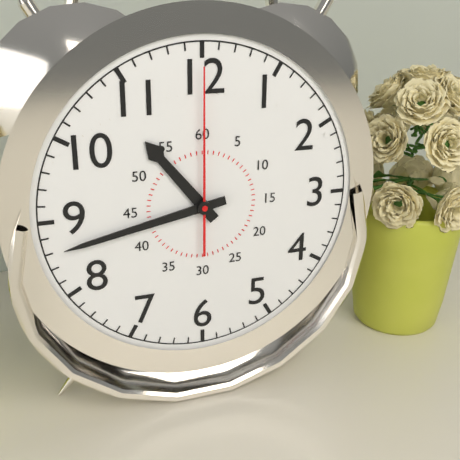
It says 10.43.00
